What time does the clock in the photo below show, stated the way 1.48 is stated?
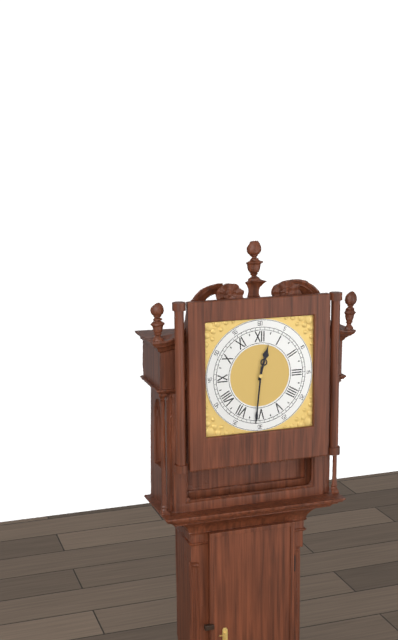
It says 12.31
